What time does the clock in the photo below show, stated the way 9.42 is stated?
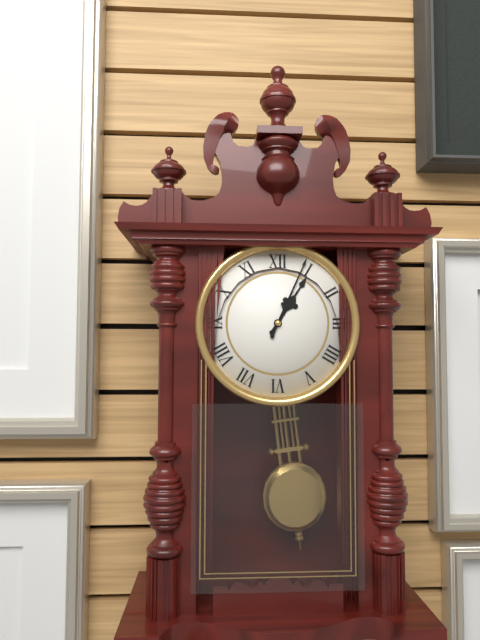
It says 1.04
